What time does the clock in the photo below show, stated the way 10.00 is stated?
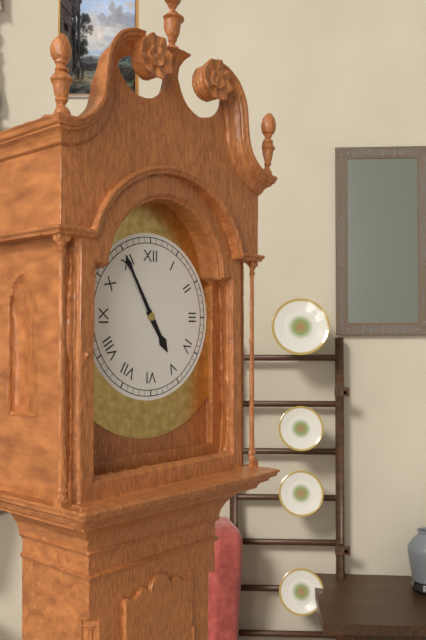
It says 4.55
